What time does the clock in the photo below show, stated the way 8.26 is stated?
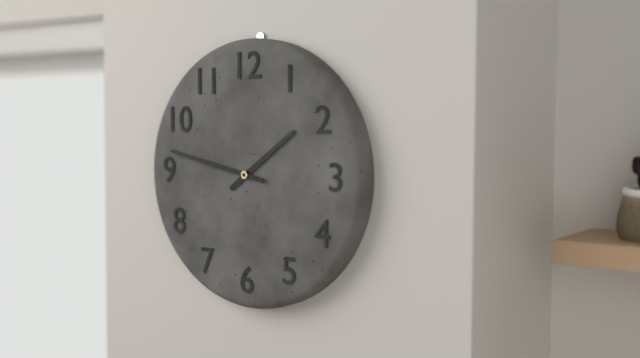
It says 1.47
